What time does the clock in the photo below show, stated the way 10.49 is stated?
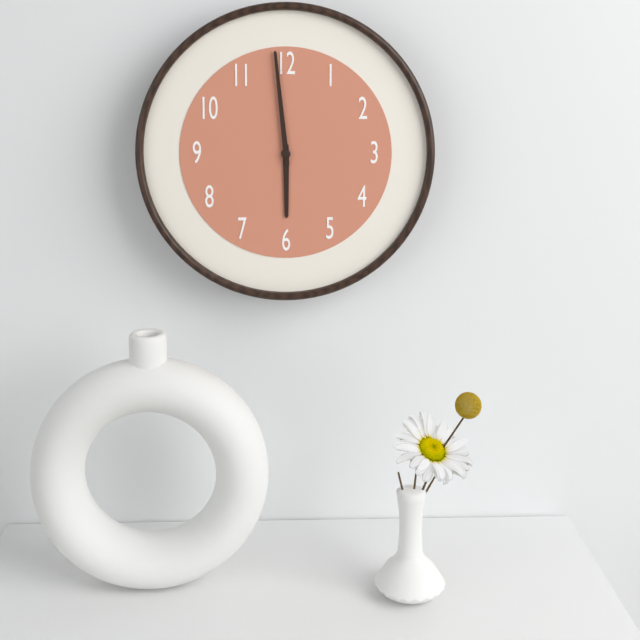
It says 5.59
